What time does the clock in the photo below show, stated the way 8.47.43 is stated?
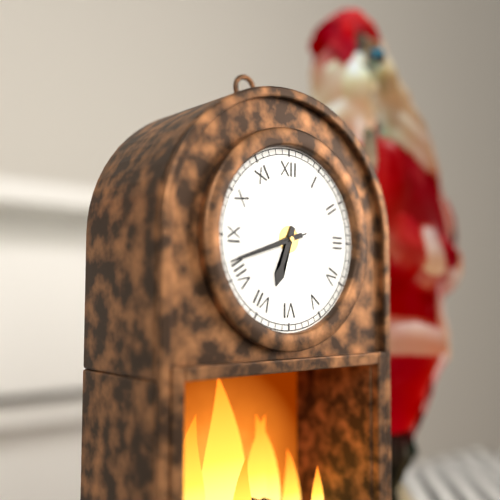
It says 6.42.42
